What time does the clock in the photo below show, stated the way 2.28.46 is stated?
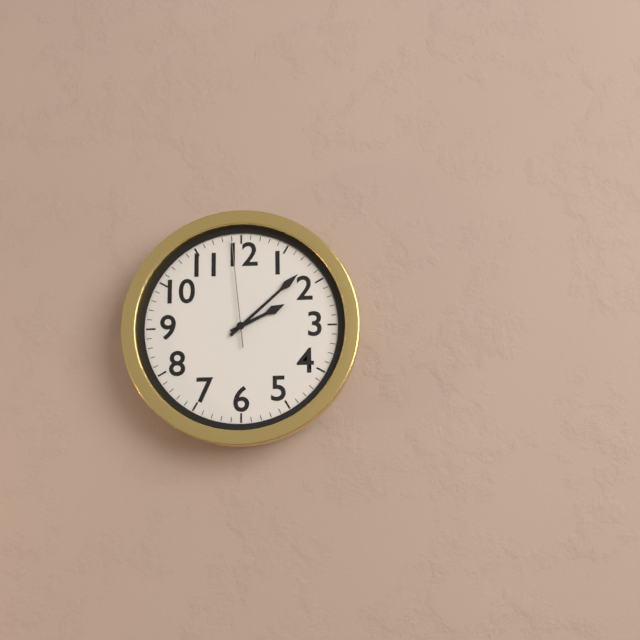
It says 2.08.59
